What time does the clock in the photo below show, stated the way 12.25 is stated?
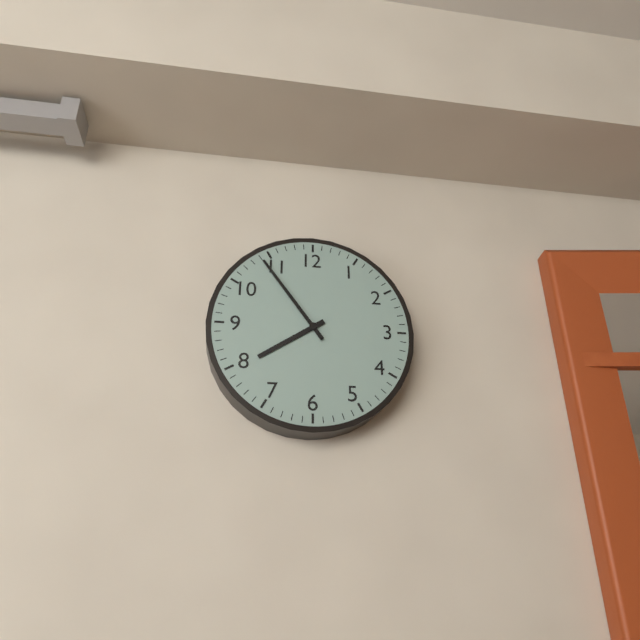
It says 7.54
